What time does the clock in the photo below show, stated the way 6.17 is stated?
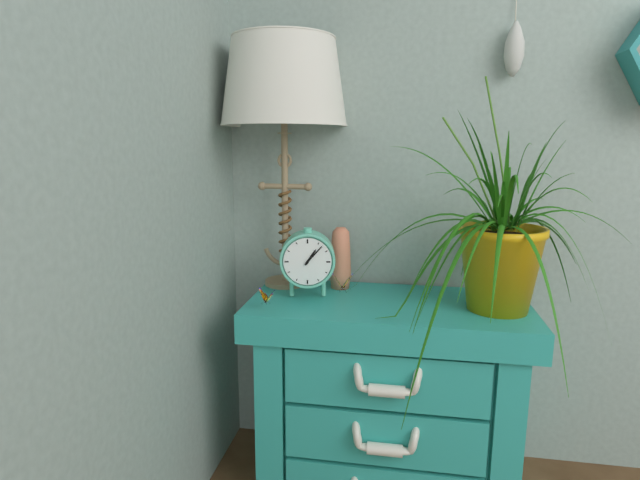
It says 1.07
